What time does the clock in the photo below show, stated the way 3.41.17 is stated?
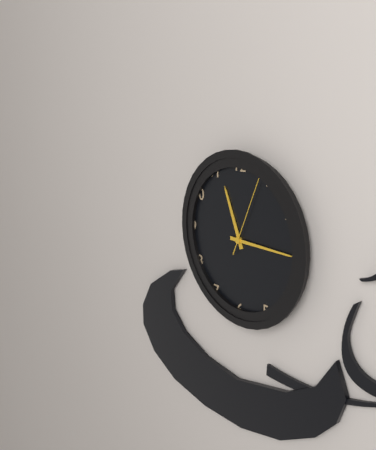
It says 11.15.04
